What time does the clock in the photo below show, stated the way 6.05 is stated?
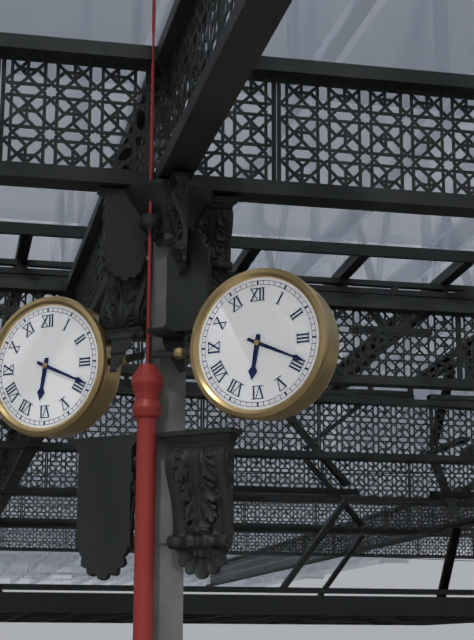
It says 6.19
